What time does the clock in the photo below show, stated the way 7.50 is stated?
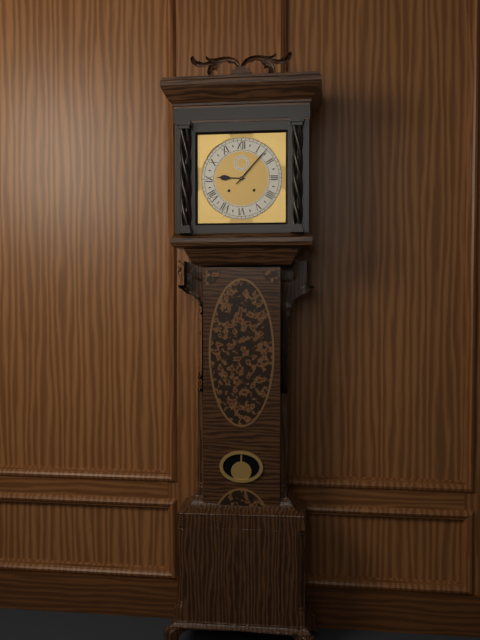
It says 9.07
